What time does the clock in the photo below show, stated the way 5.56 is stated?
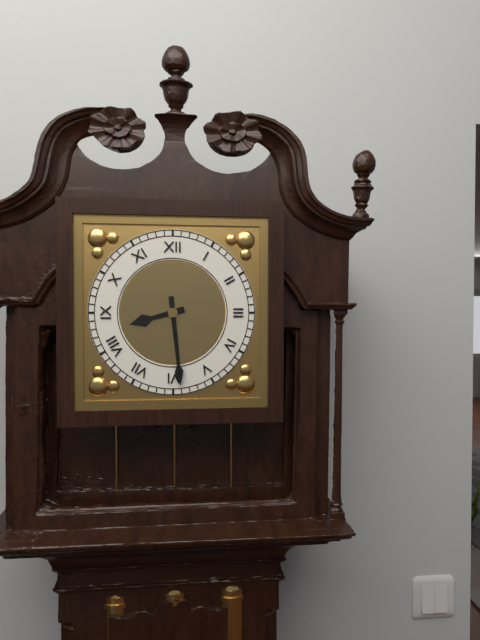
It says 8.29
